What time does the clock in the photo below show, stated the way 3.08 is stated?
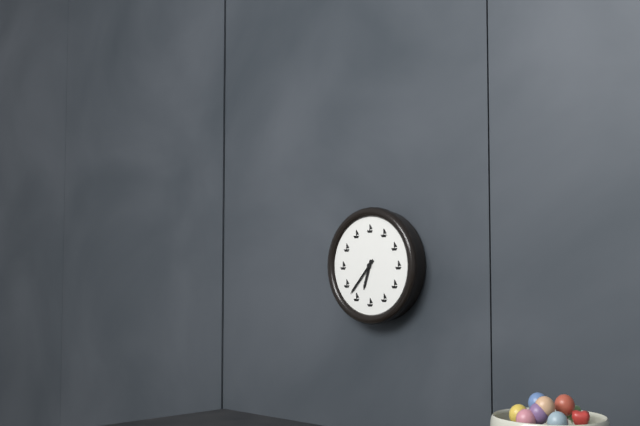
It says 6.37
